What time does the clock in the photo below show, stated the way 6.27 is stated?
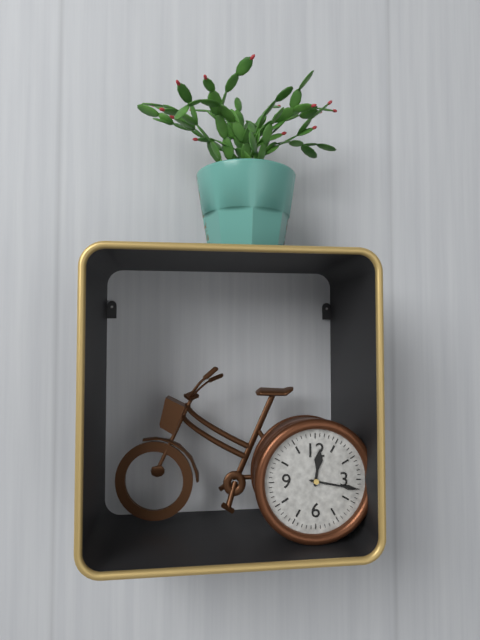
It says 12.17
